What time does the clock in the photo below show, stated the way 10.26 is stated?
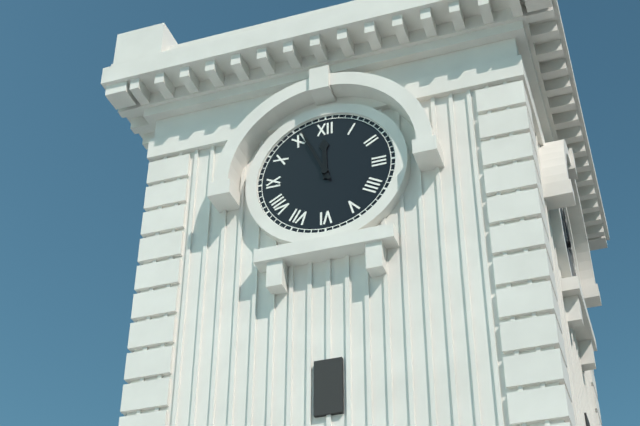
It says 11.56
